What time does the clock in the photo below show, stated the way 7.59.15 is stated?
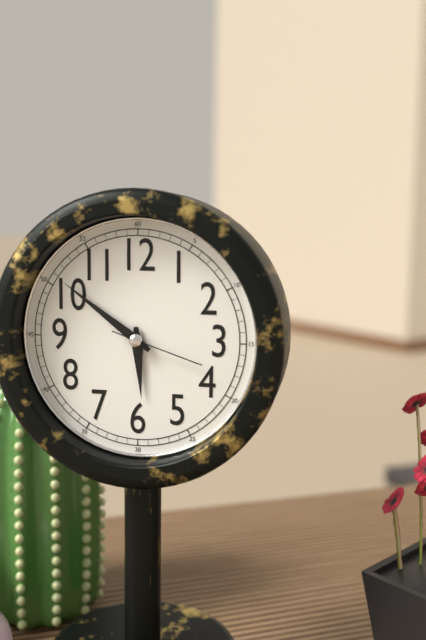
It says 5.51.18
